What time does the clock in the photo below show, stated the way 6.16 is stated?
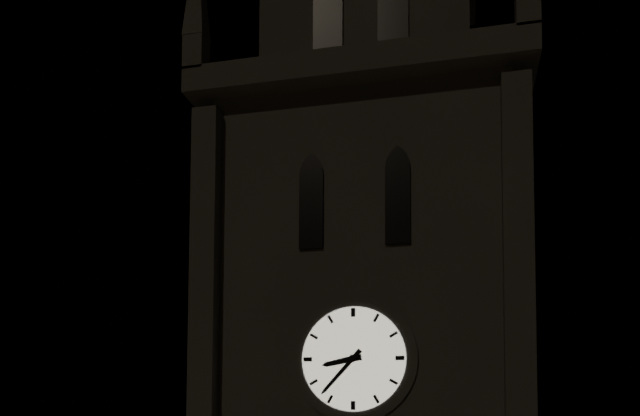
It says 8.37
